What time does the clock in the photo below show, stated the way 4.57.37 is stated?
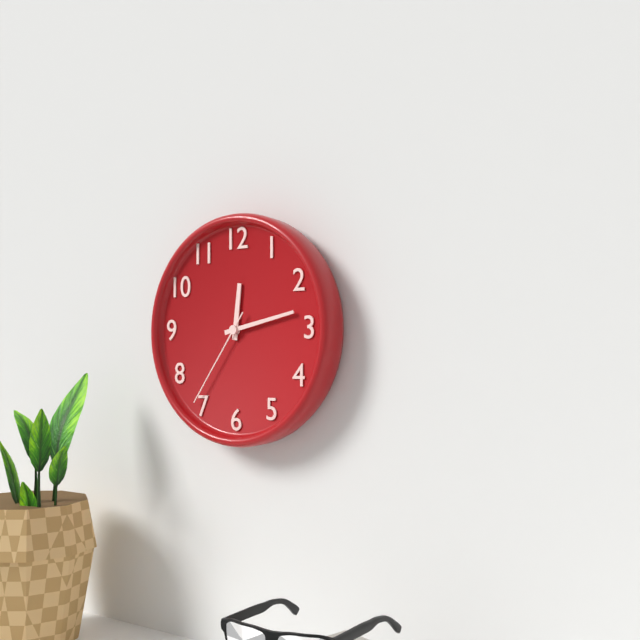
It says 12.13.36
